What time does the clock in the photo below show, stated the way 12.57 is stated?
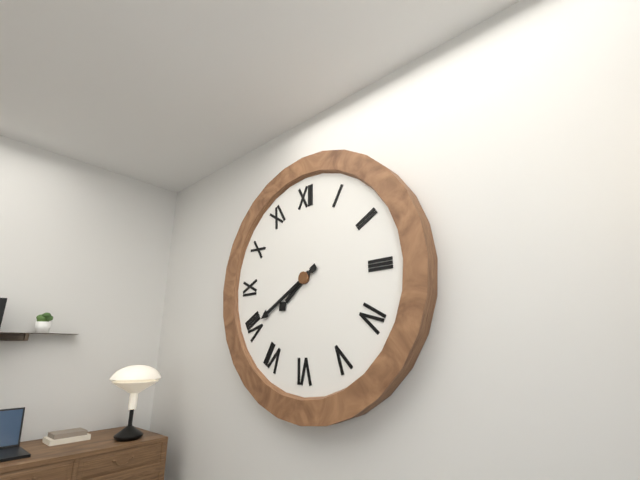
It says 7.40
